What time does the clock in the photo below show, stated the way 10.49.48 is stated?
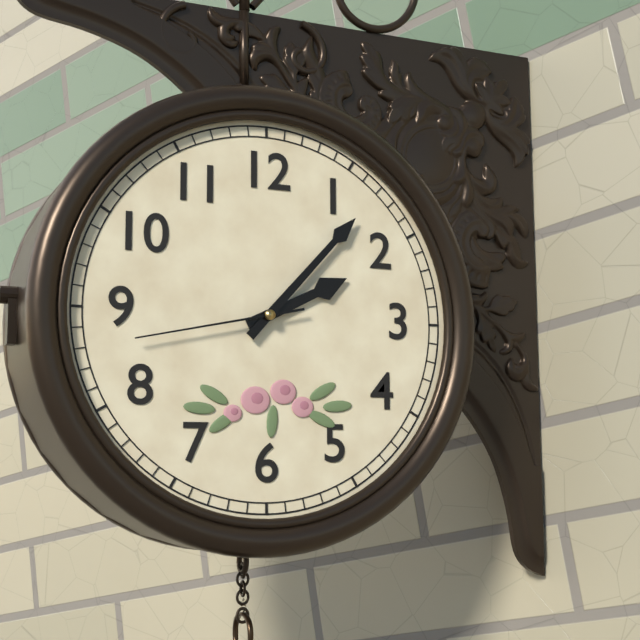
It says 2.07.43
